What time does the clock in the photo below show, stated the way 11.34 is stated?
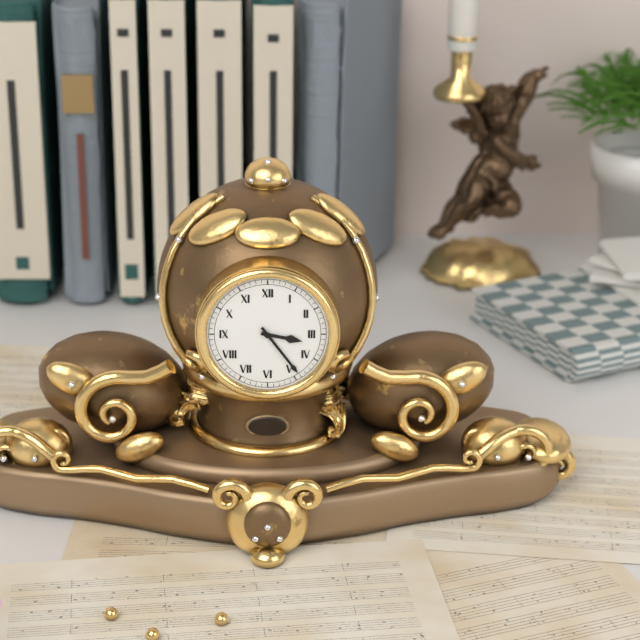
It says 3.24
